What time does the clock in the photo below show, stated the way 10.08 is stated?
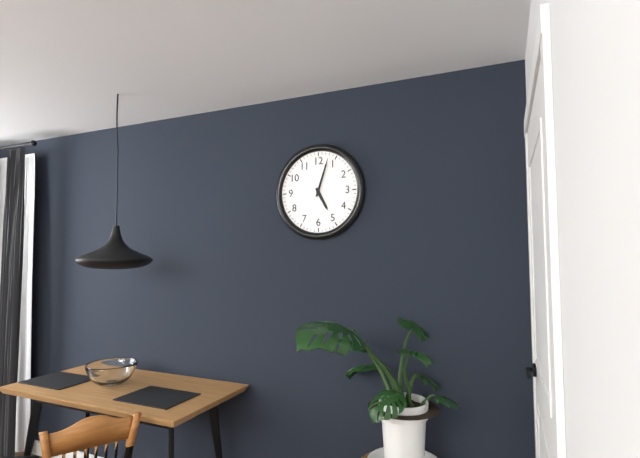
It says 5.03
